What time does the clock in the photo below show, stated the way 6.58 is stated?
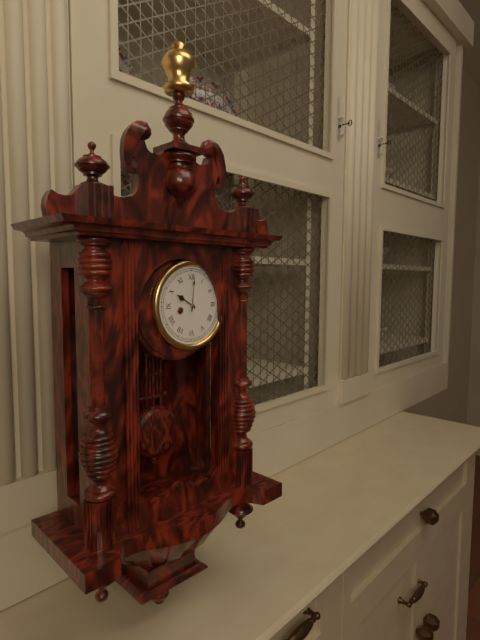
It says 10.01
